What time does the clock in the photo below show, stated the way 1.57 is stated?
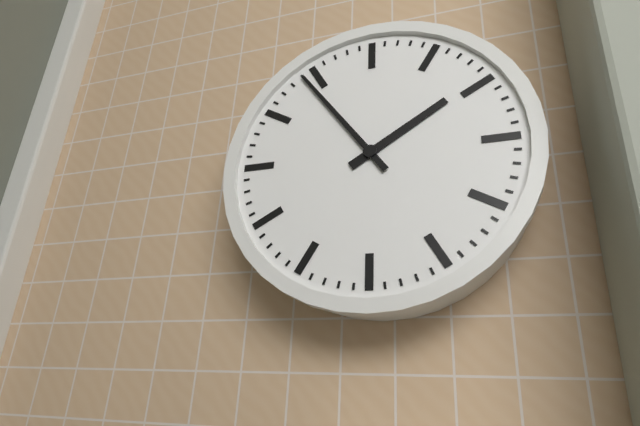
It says 1.54
